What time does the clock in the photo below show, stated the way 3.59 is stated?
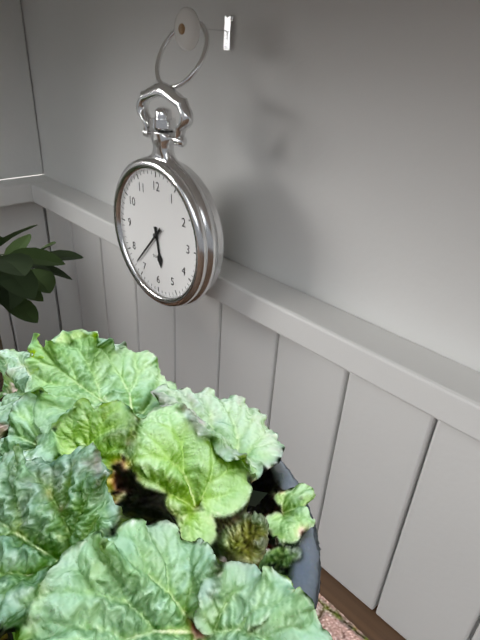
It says 5.37
